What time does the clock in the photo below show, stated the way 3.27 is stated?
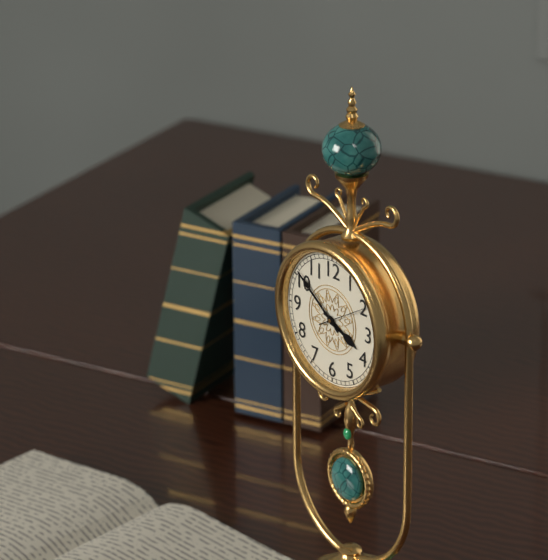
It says 3.51
